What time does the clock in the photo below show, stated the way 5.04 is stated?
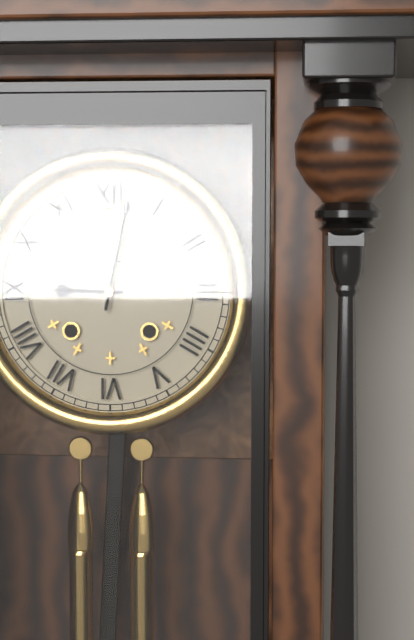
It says 9.02
